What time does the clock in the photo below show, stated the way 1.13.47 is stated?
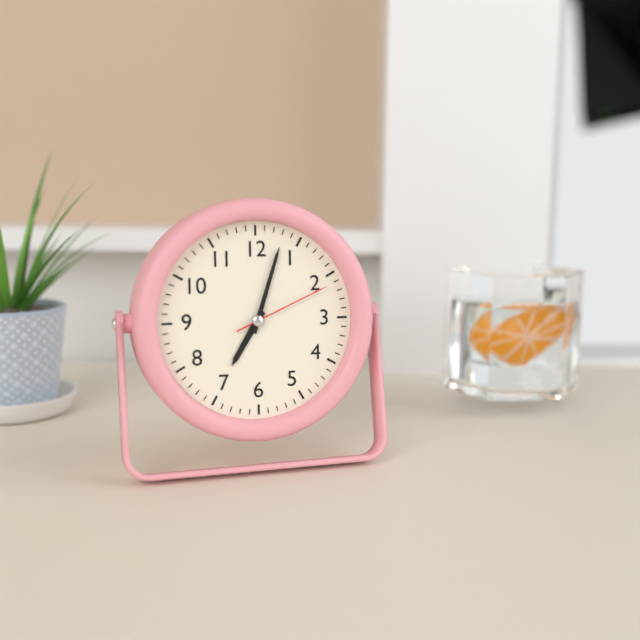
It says 7.03.11
